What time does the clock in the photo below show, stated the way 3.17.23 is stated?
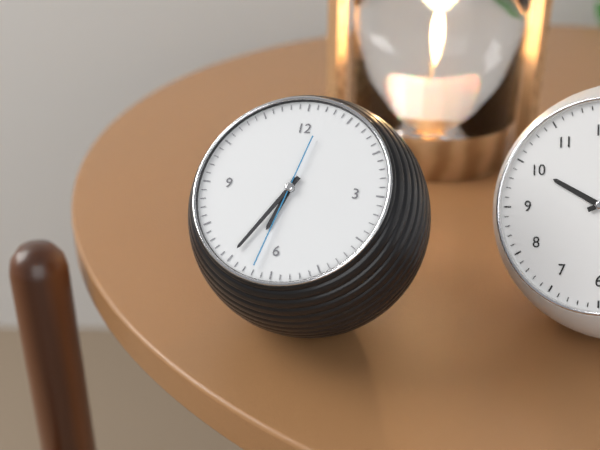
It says 6.35.32
